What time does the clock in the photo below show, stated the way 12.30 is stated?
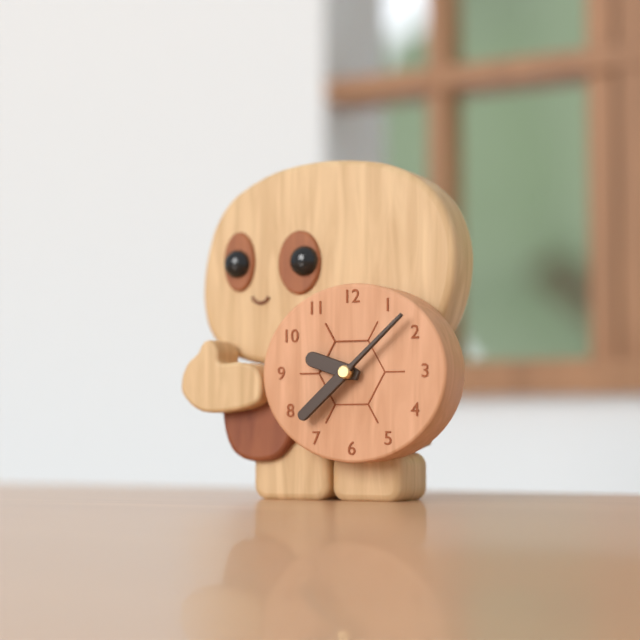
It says 9.38
